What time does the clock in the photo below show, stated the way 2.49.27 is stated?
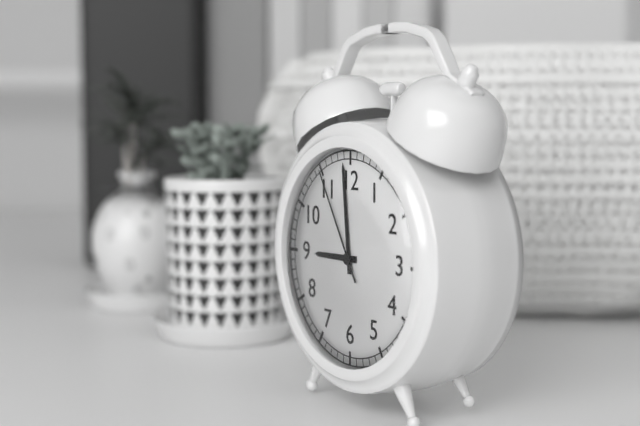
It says 8.59.55
